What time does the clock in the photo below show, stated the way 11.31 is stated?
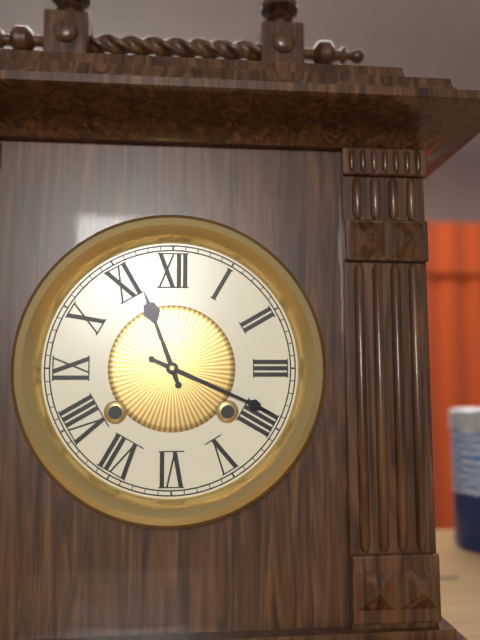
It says 11.19
